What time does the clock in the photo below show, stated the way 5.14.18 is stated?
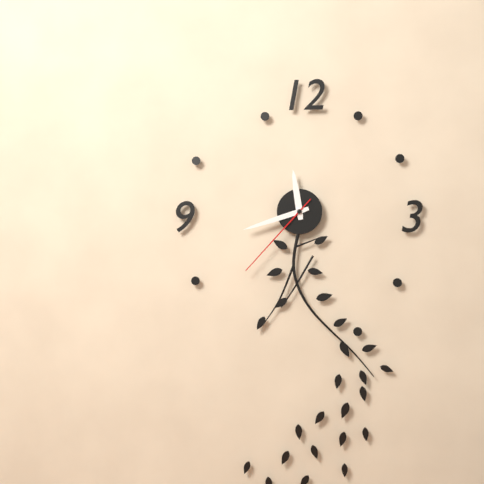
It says 11.42.37
